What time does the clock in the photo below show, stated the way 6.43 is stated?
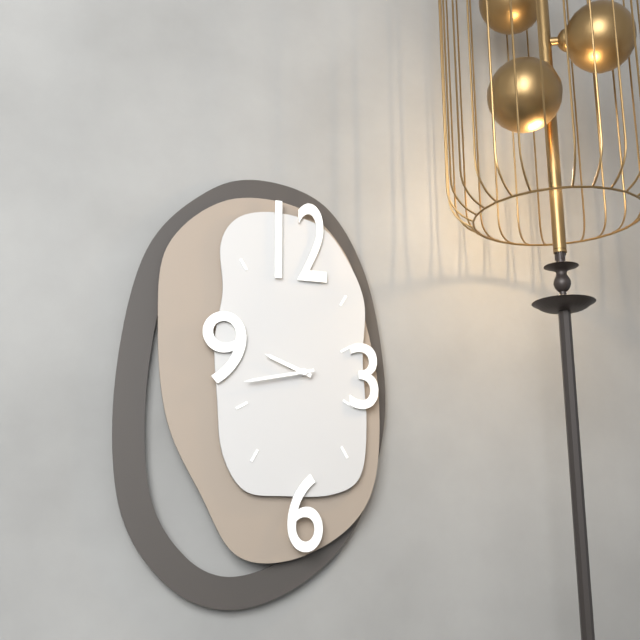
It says 9.43
